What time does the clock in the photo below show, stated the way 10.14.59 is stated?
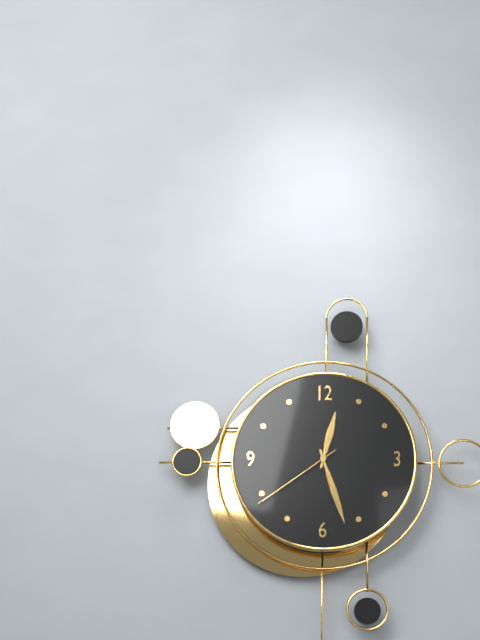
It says 12.27.39
